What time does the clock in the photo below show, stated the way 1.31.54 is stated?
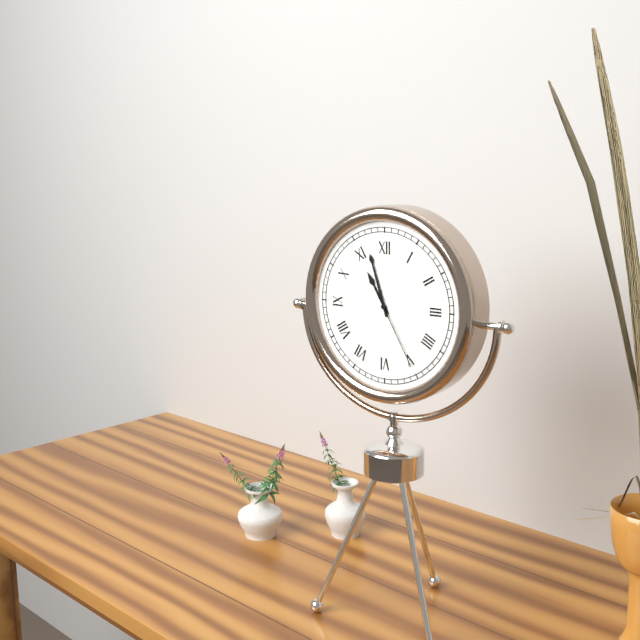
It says 10.57.25
